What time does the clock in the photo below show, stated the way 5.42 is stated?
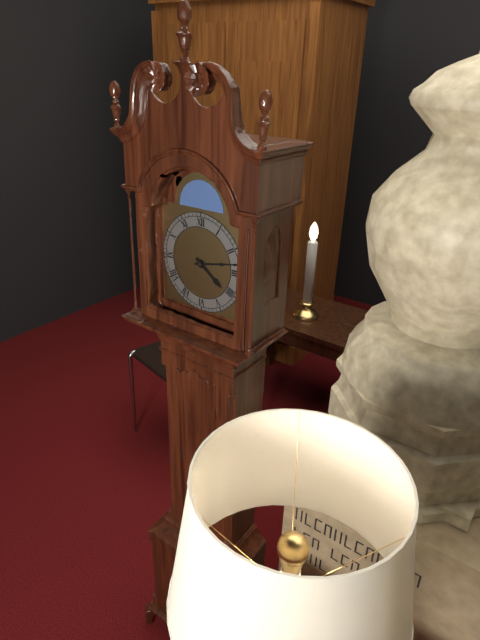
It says 4.13
